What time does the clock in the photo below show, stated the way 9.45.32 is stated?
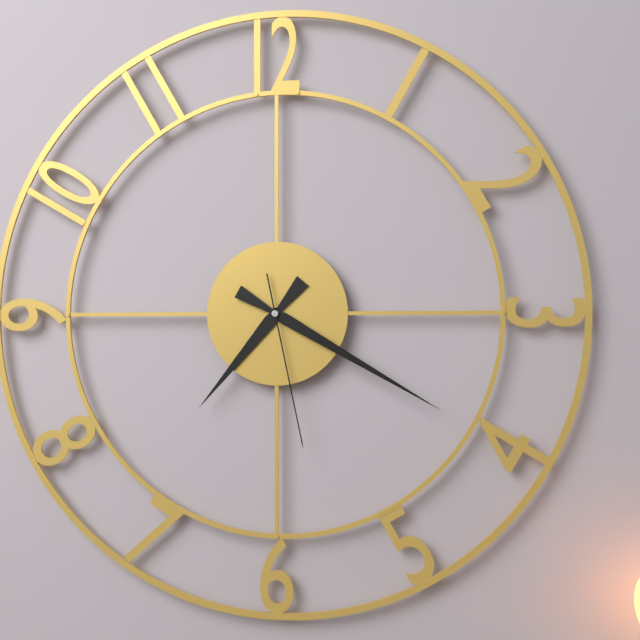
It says 7.20.28
